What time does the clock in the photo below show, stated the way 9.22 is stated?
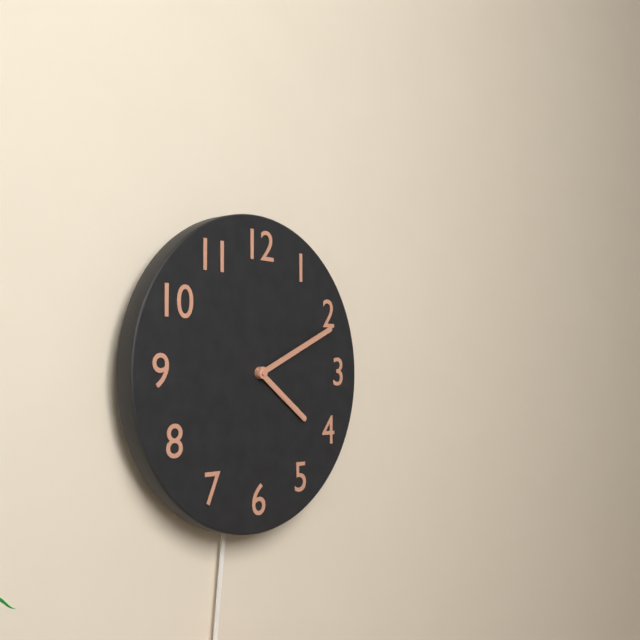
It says 4.11
